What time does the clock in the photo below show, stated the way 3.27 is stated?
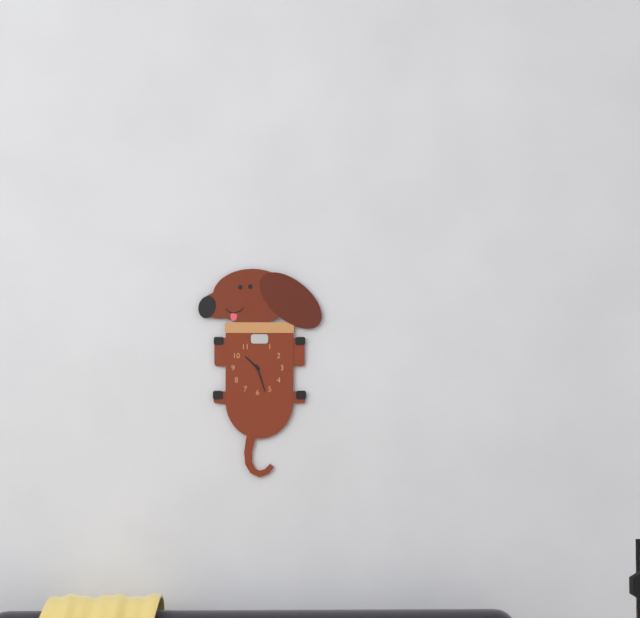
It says 10.27
